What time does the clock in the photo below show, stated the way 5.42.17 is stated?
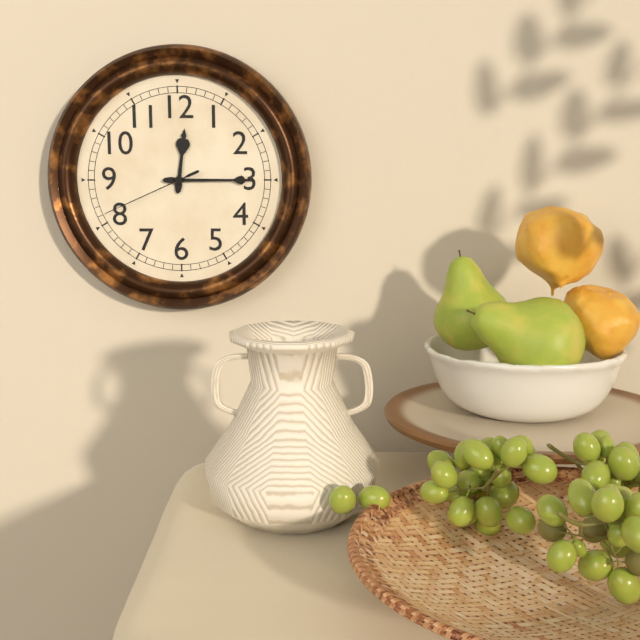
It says 12.15.41
